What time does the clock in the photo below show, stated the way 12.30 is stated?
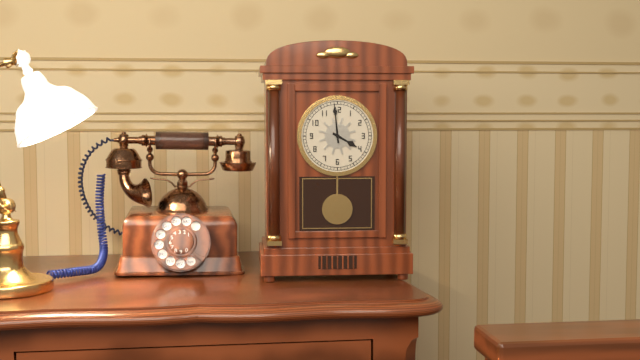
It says 3.59
